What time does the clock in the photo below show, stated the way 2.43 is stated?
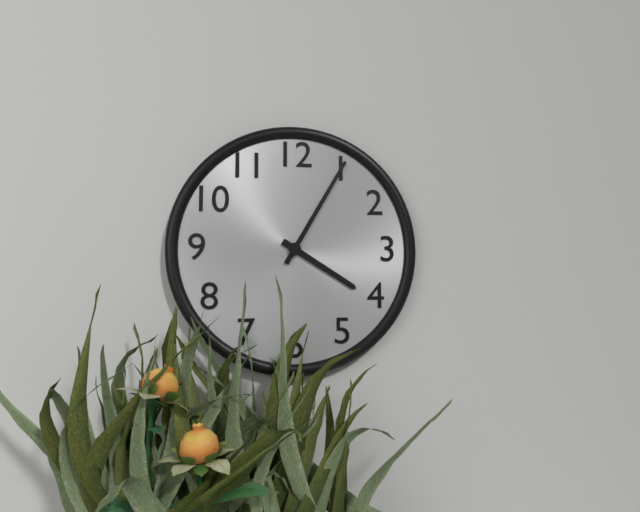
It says 4.05
